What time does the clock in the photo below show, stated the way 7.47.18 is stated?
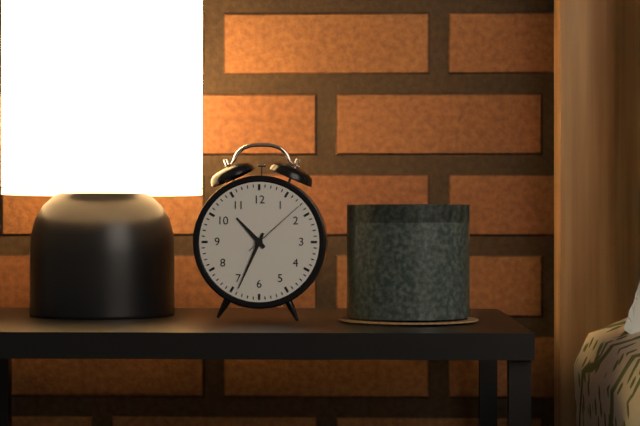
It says 10.34.08
